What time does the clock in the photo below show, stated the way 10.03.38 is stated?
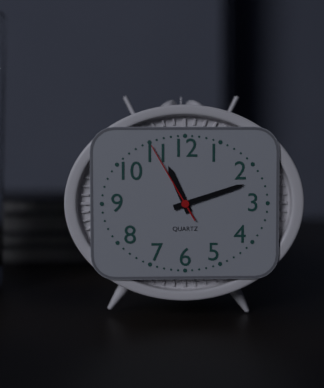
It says 11.12.55
